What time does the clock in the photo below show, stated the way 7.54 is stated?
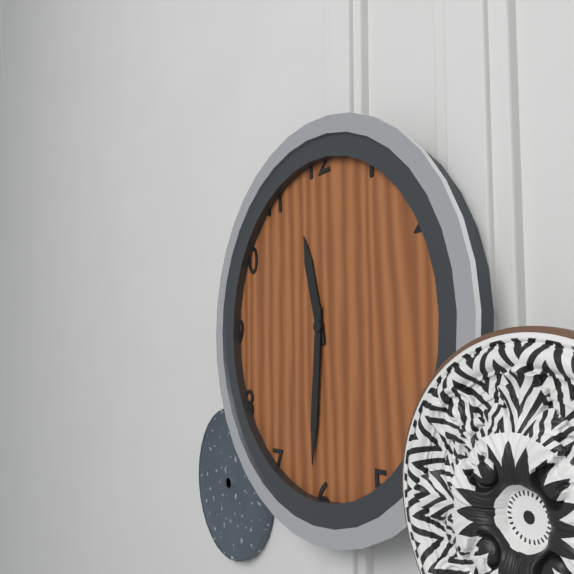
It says 11.31
